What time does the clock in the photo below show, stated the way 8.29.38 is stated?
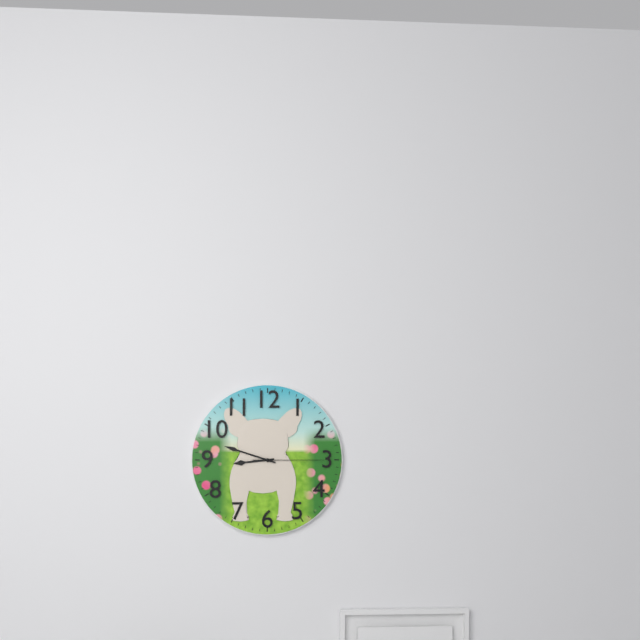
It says 8.48.15
